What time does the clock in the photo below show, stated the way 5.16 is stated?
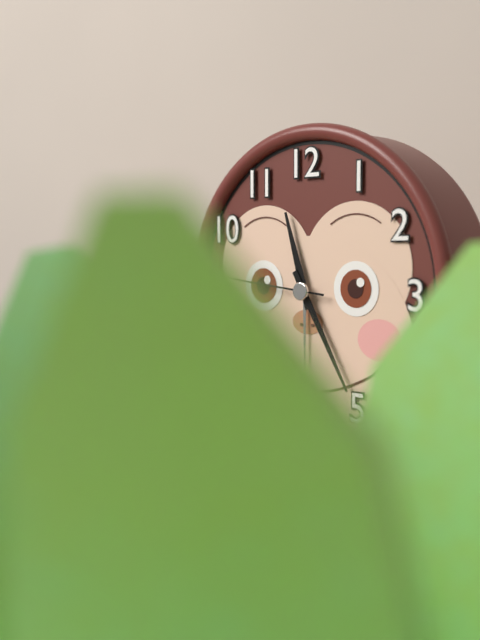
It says 11.25
